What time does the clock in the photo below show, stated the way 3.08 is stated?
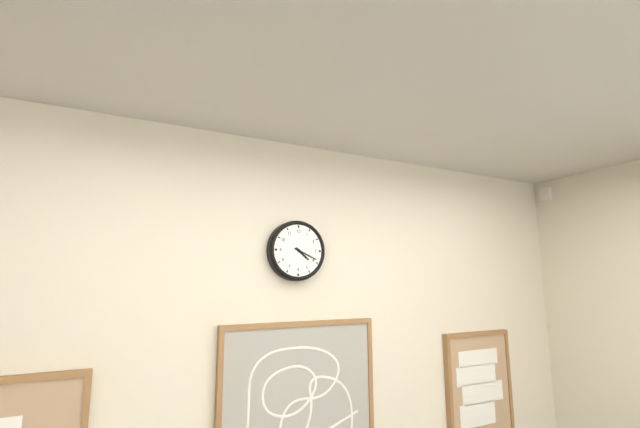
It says 4.19
